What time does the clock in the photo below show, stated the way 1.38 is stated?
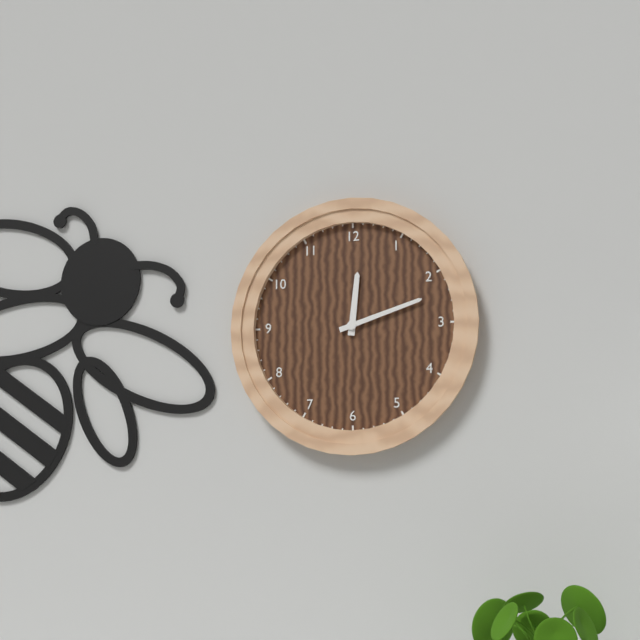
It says 12.12
